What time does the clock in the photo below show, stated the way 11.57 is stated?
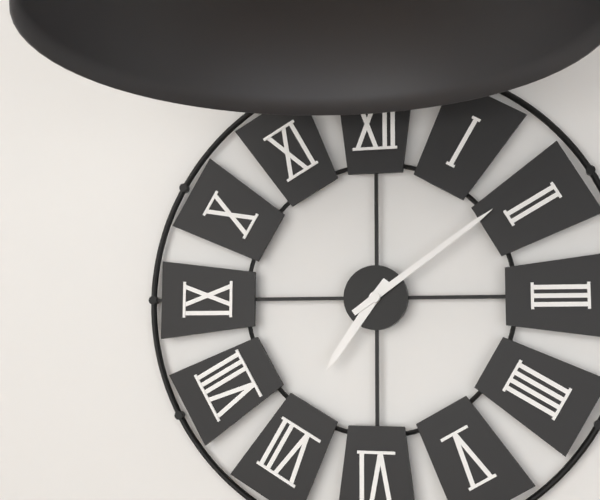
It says 7.09
